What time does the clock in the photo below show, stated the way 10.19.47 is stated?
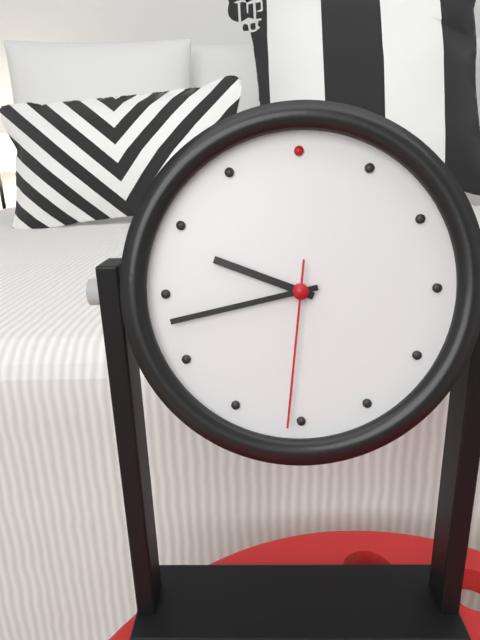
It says 9.43.31
